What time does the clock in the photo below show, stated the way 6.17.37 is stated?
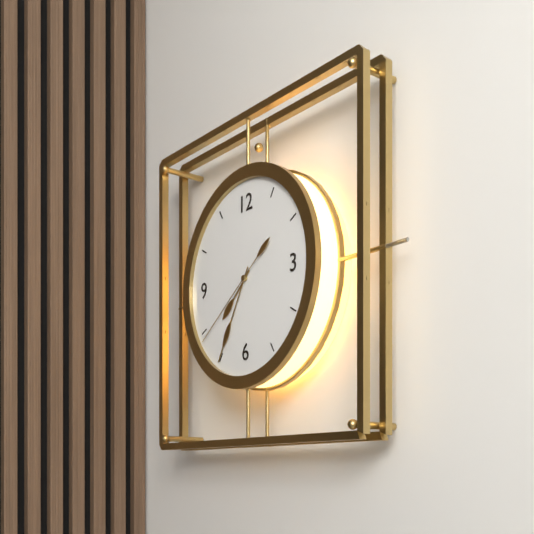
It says 7.35.39
